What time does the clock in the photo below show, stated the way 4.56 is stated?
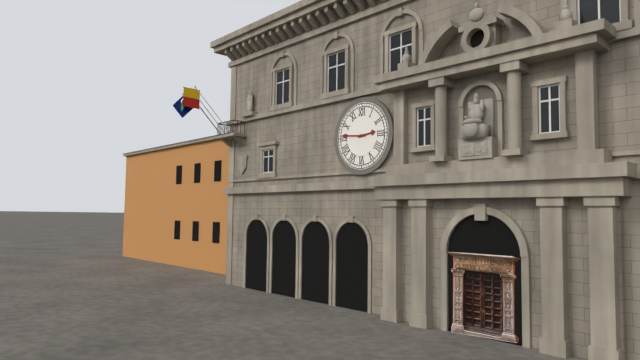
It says 2.46
